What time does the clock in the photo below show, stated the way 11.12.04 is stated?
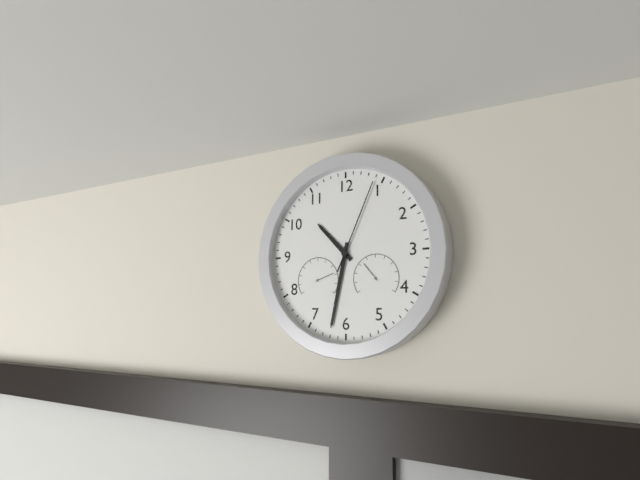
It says 10.32.04
